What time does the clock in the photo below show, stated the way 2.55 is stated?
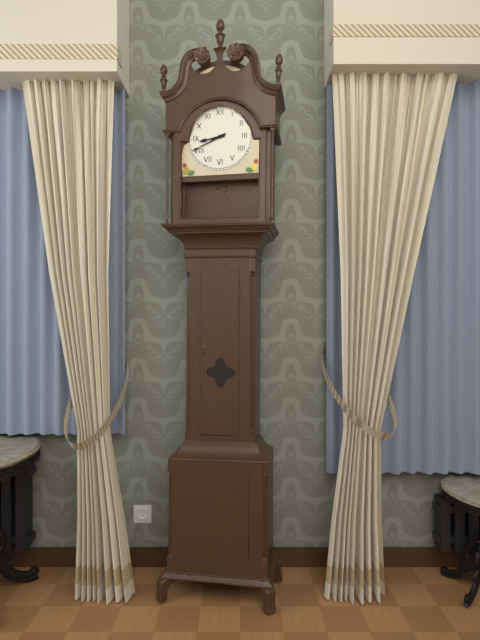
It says 8.41
